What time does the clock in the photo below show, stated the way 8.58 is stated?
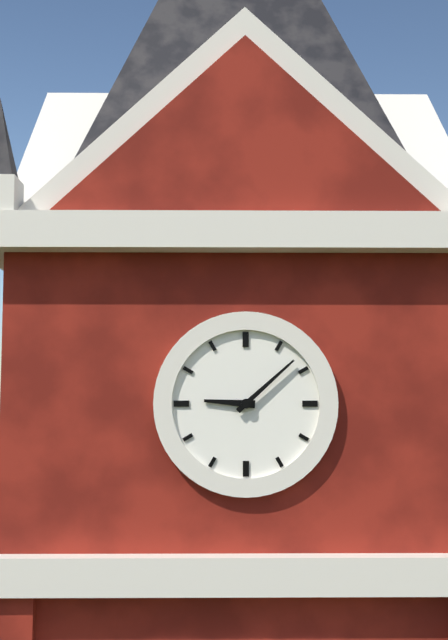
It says 9.08
